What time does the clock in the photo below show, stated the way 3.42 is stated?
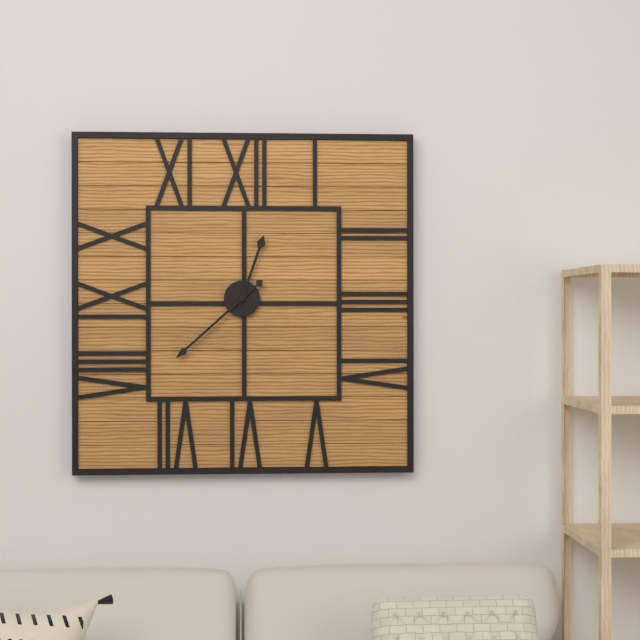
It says 12.38
